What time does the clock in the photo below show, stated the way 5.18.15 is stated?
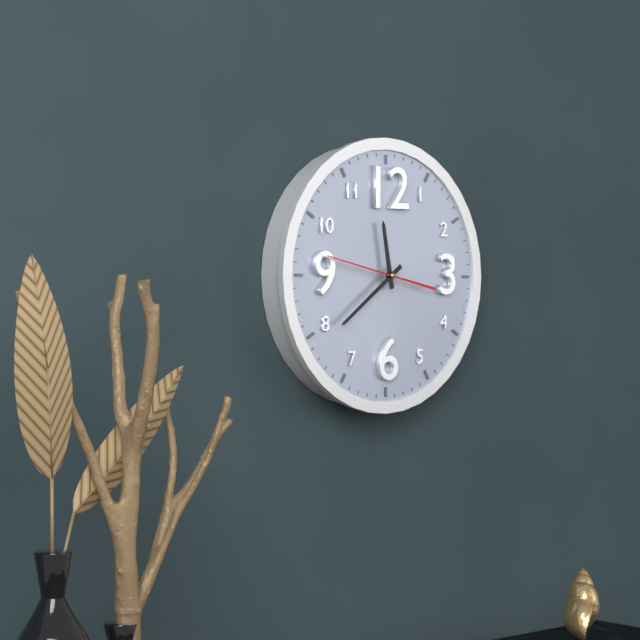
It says 11.39.47
